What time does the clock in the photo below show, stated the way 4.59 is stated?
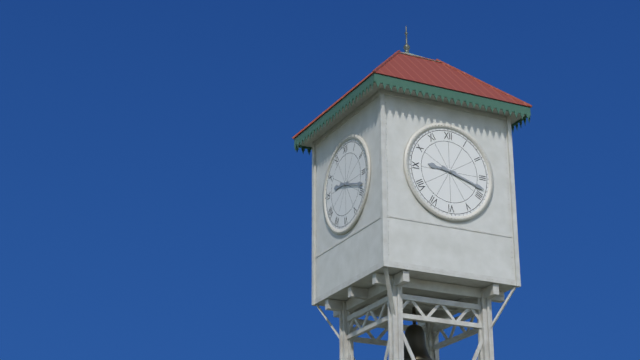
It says 9.18
